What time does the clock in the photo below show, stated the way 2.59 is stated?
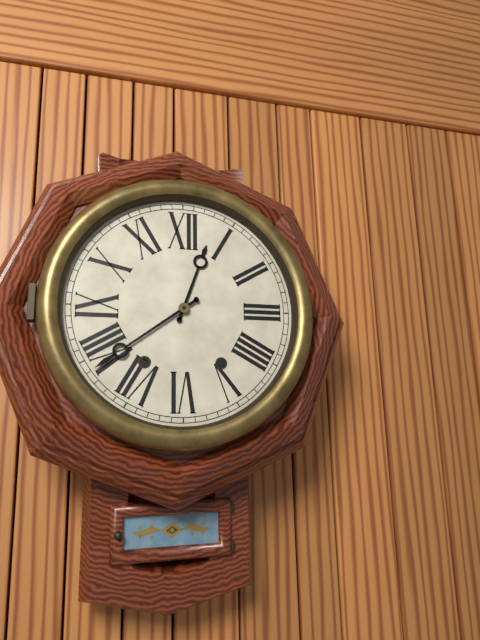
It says 12.39
